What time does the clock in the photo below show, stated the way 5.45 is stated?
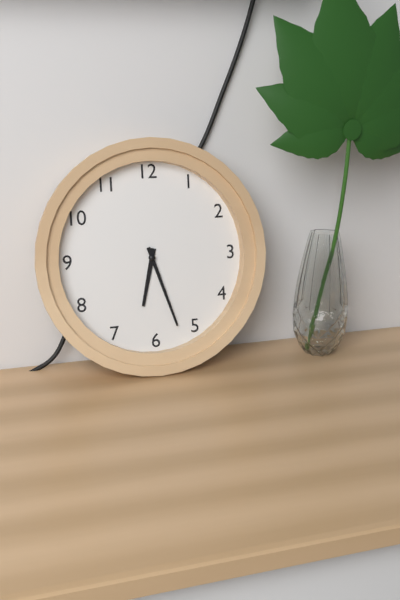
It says 6.27
